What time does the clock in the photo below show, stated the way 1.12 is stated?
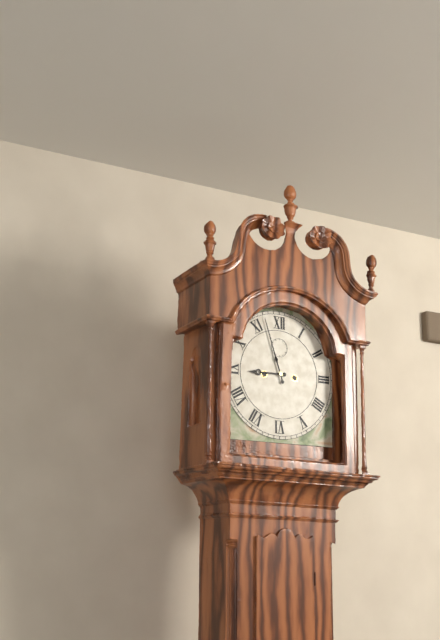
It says 8.57
